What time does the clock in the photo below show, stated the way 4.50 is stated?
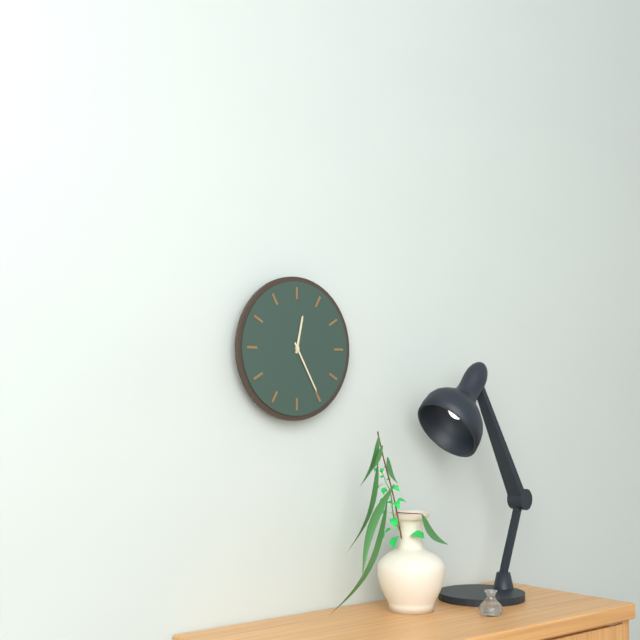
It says 12.25
